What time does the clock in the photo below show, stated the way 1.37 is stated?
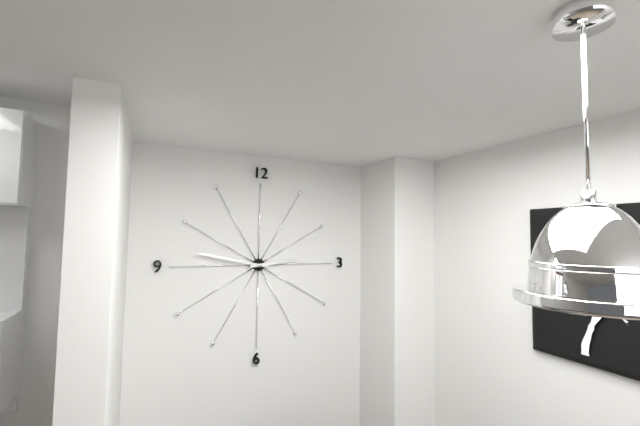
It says 2.47
